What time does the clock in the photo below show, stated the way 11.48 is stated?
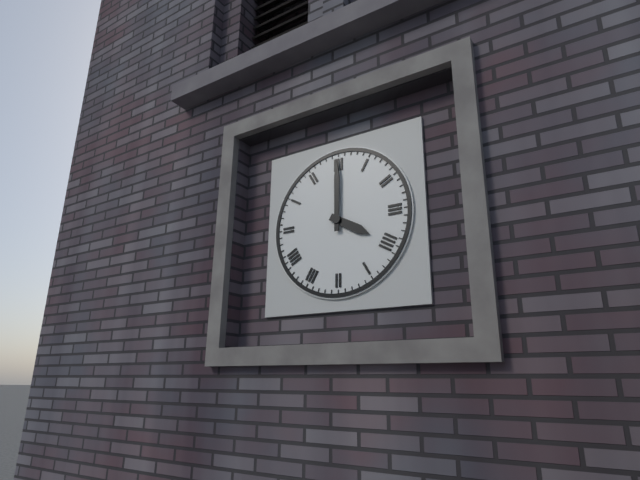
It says 4.00
